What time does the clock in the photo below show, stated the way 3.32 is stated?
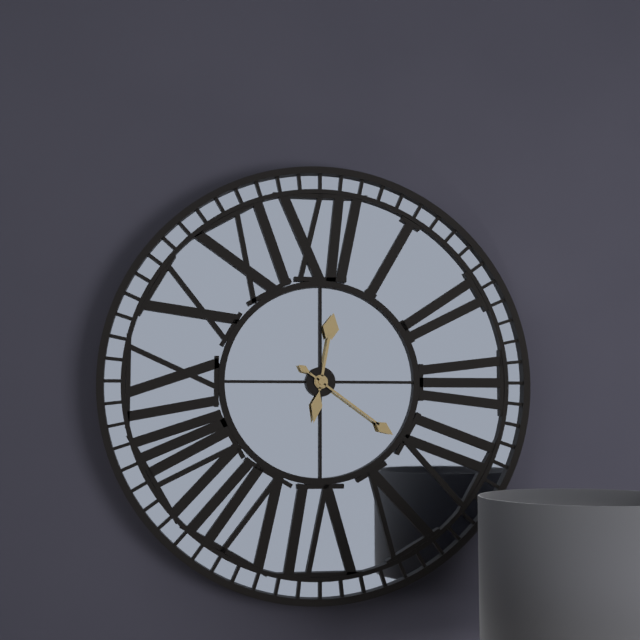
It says 12.21
